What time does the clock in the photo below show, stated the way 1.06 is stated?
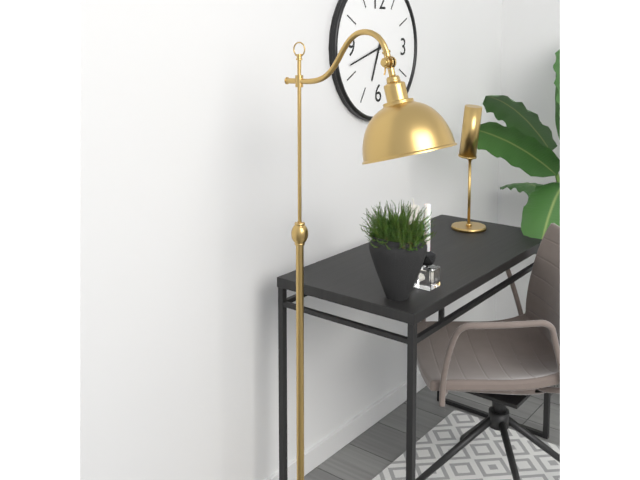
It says 6.42
